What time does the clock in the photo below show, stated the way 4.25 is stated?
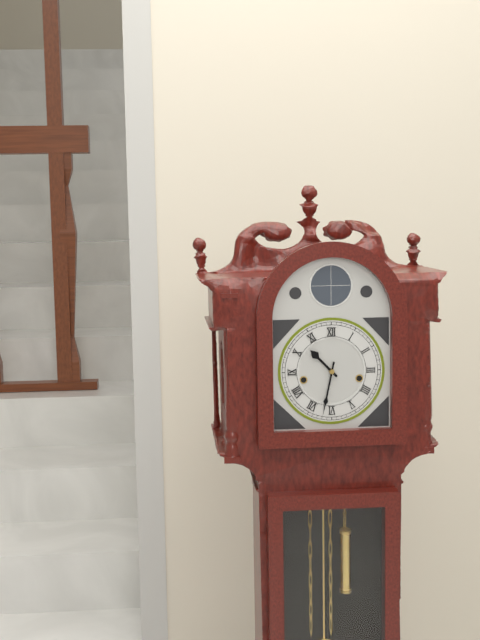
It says 10.32
